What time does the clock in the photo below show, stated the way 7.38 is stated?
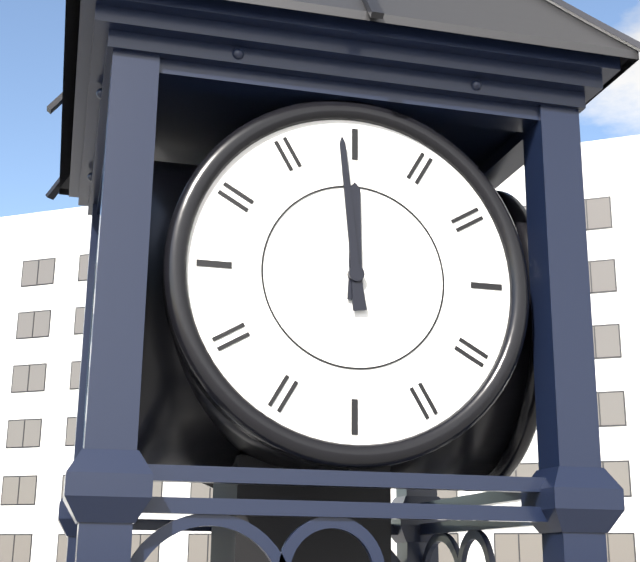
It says 11.59
